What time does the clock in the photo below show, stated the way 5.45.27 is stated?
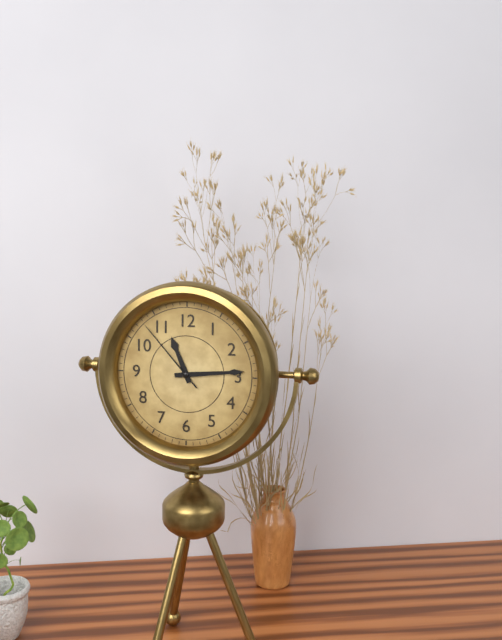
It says 11.14.53
